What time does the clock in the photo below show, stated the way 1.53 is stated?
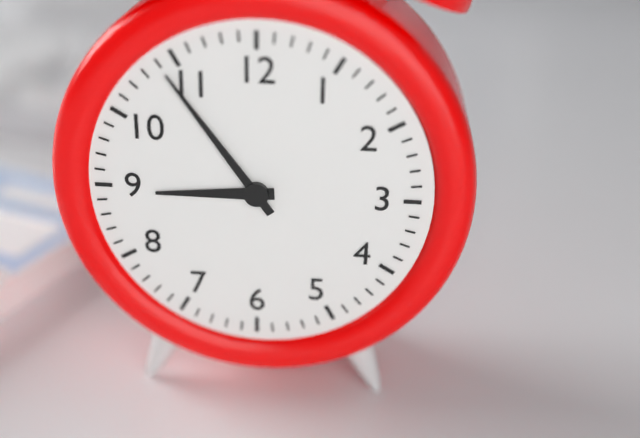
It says 8.54
